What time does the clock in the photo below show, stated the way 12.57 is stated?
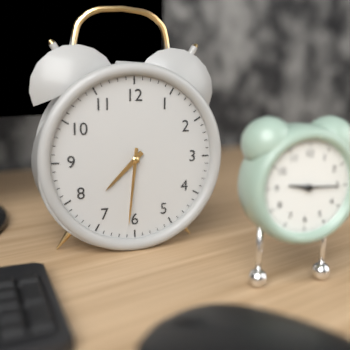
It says 7.31
